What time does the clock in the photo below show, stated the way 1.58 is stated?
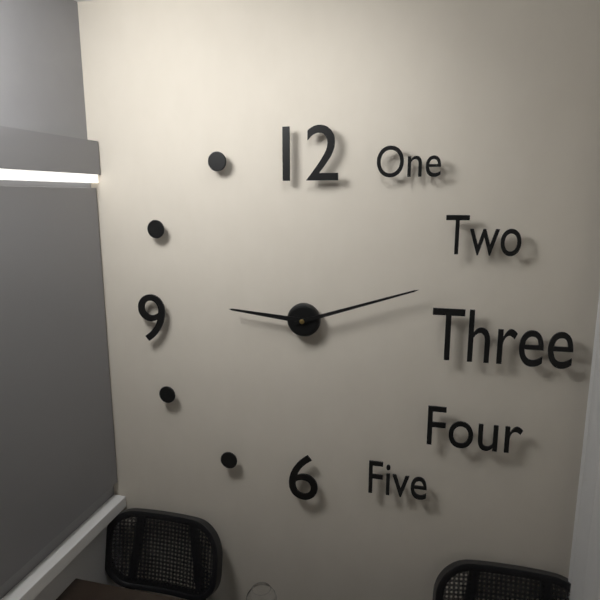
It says 9.12
